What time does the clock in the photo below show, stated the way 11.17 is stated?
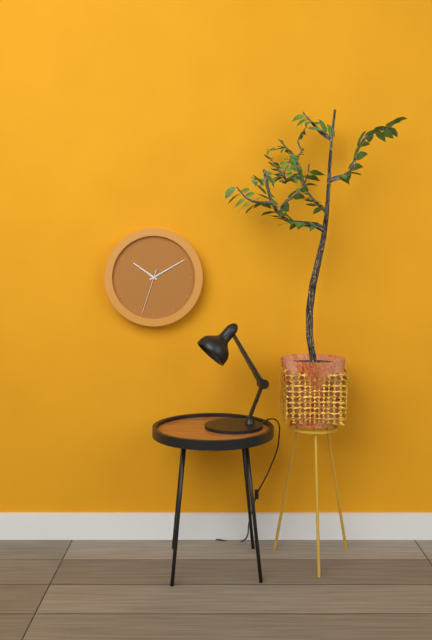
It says 10.10
